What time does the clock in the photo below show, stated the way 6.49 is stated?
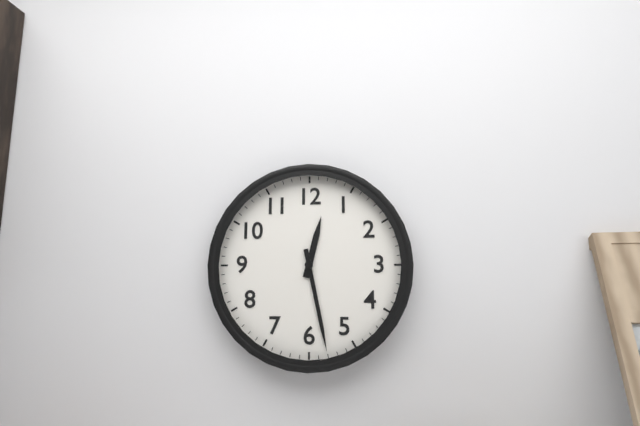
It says 12.28
